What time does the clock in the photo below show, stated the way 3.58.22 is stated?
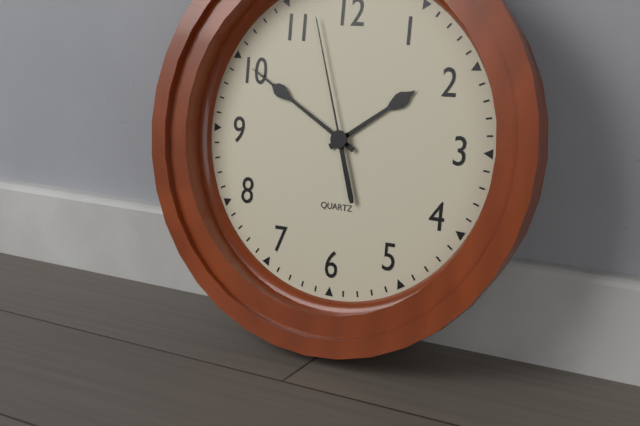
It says 1.50.57
